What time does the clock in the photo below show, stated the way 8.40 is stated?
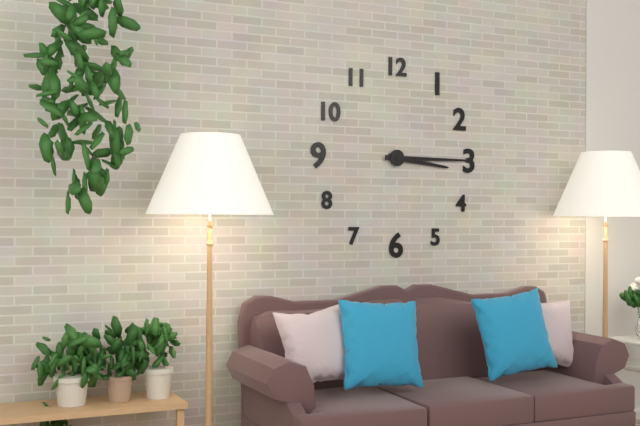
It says 3.15
